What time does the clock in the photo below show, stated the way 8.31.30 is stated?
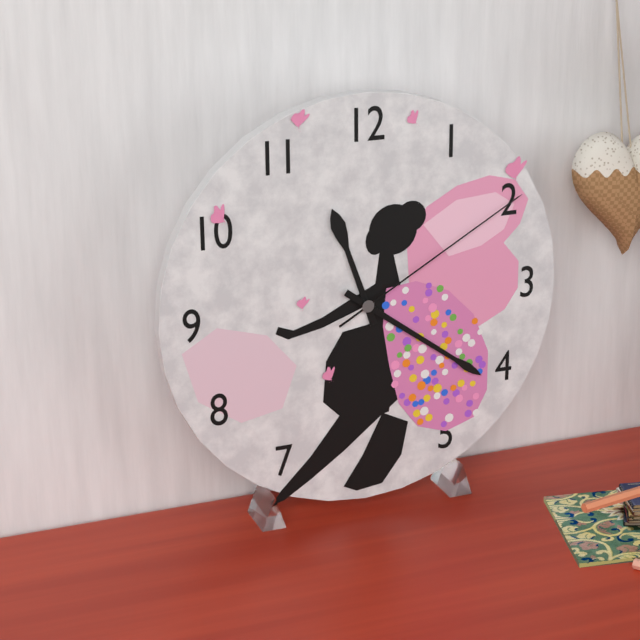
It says 11.21.10
